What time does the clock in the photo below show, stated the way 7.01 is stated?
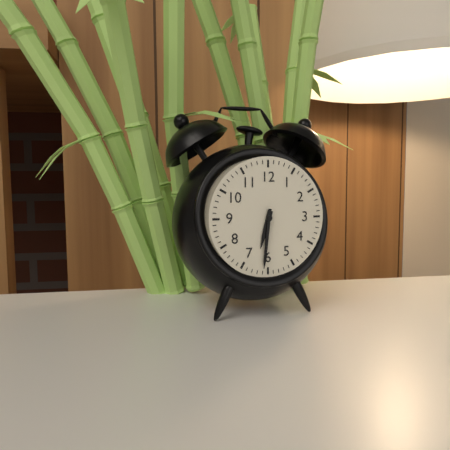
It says 6.31
